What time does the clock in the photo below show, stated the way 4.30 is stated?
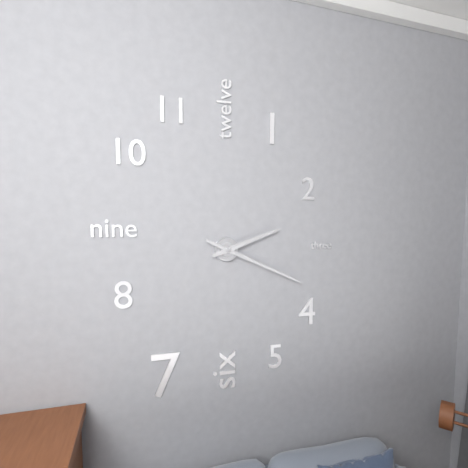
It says 2.19
